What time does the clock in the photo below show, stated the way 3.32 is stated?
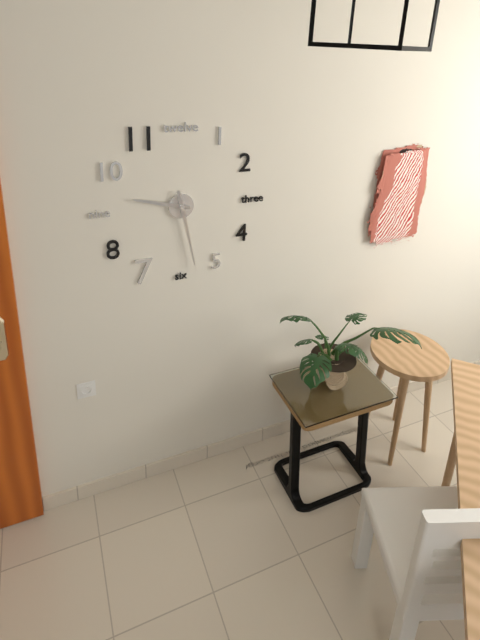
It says 9.28
